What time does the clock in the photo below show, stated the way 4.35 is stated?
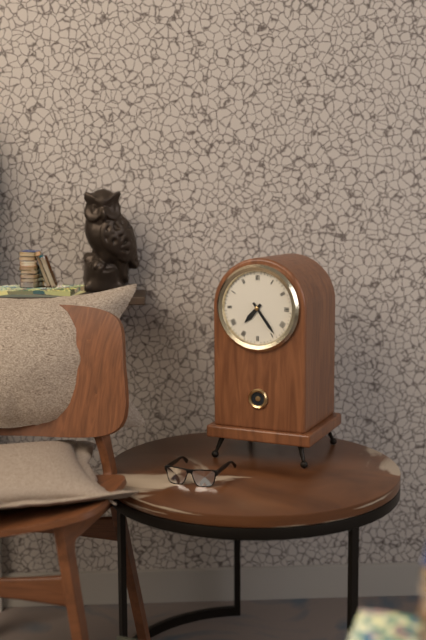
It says 7.24
